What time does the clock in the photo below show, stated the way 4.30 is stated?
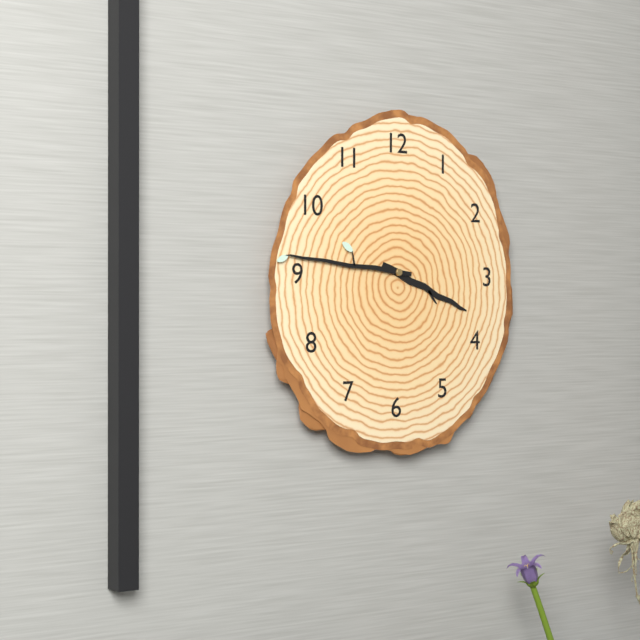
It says 3.46
